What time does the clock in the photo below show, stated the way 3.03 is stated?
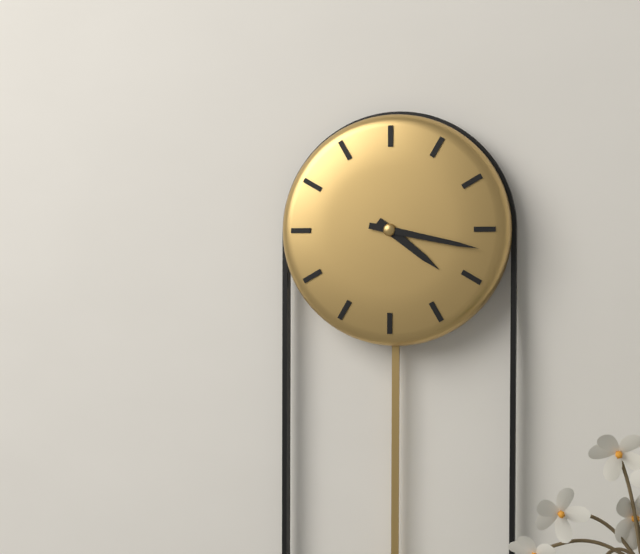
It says 4.17
